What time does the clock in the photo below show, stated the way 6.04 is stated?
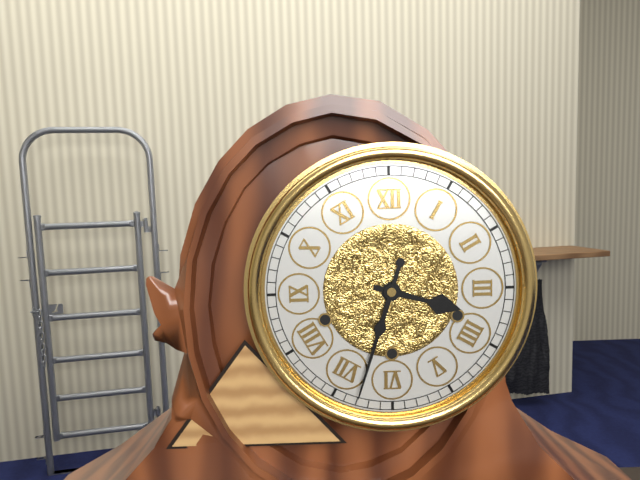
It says 3.33
